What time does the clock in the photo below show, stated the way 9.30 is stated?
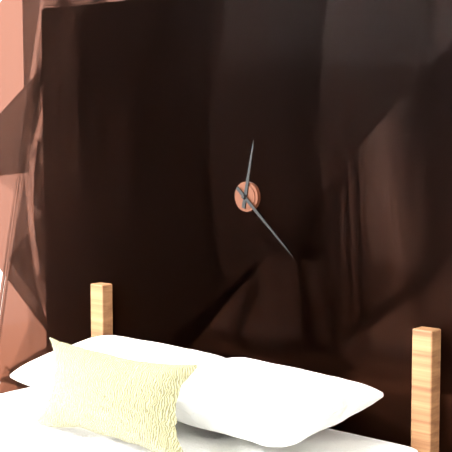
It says 12.22
